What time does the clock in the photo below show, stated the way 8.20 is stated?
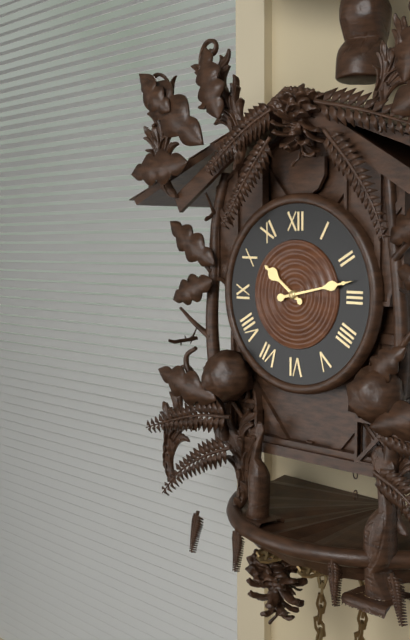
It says 10.13
